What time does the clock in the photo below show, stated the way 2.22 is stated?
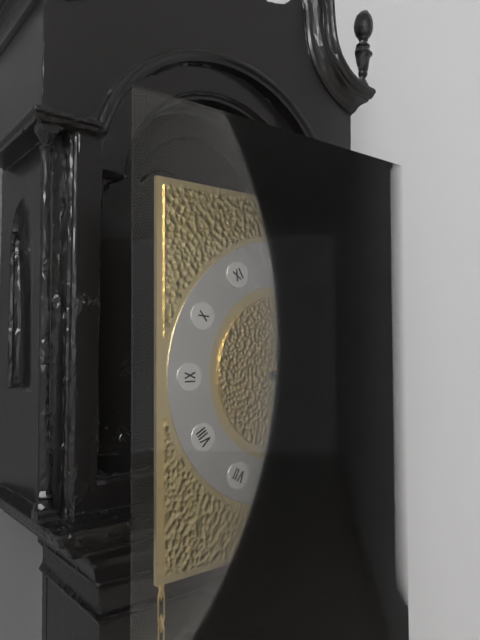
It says 2.29
